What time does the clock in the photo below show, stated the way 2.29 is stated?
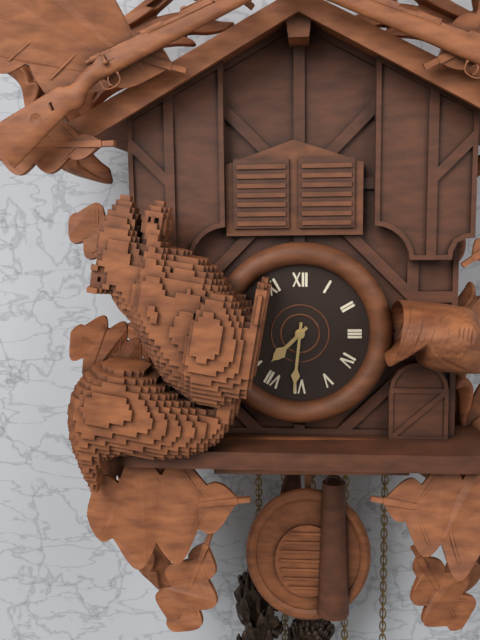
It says 7.31
